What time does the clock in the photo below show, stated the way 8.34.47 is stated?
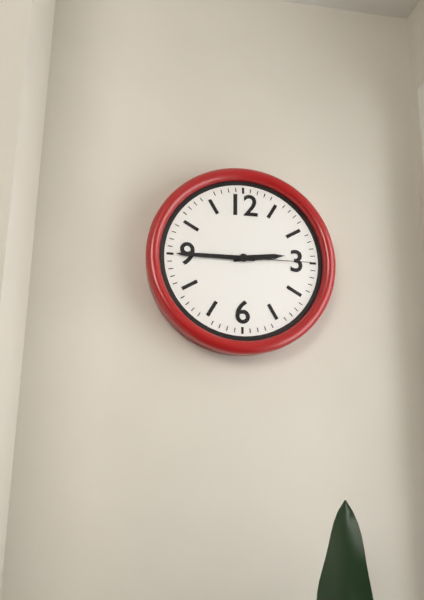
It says 2.45.15
